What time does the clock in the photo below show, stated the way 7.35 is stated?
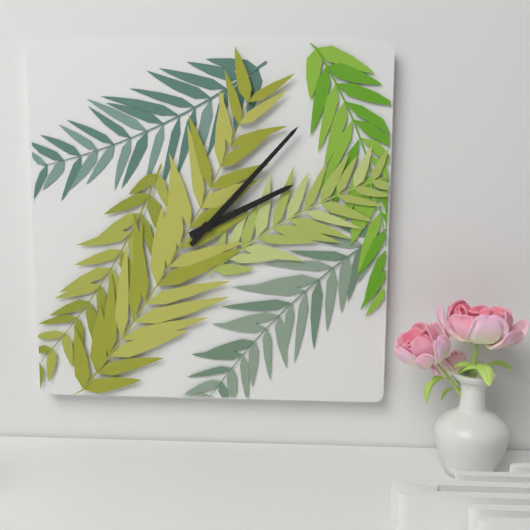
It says 2.07
